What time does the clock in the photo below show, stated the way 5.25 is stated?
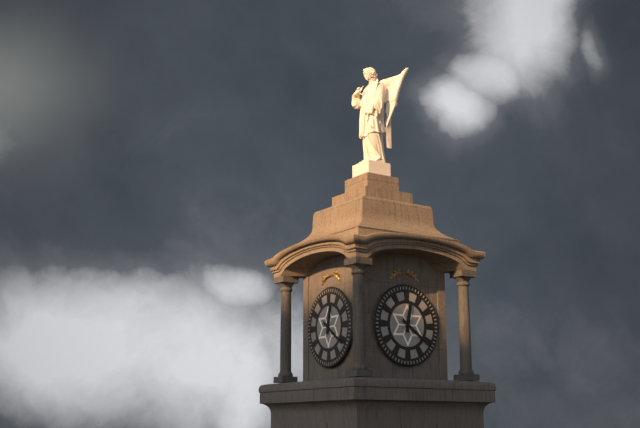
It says 12.21
